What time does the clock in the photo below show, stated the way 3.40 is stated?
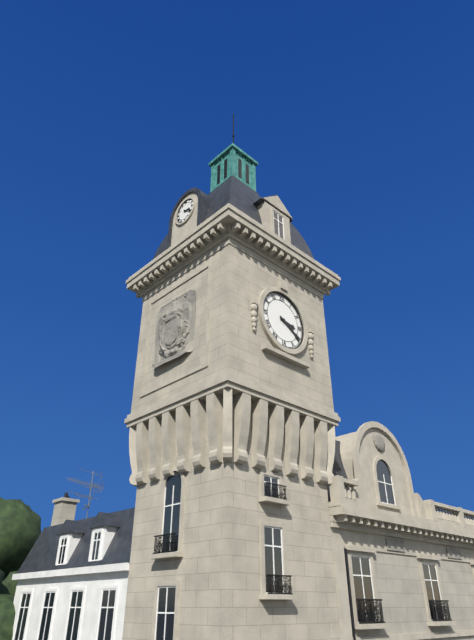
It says 3.20
